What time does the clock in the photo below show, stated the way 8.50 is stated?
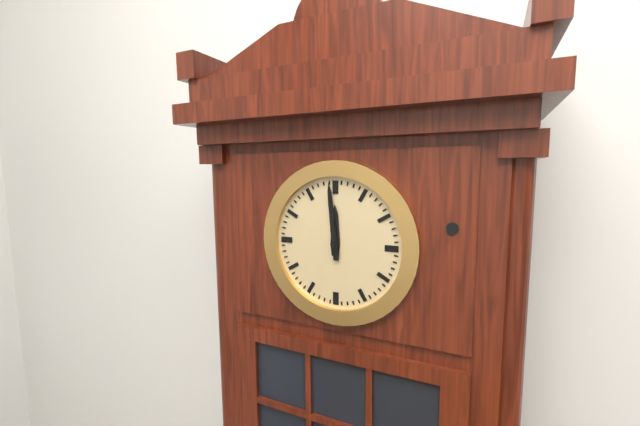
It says 11.59
